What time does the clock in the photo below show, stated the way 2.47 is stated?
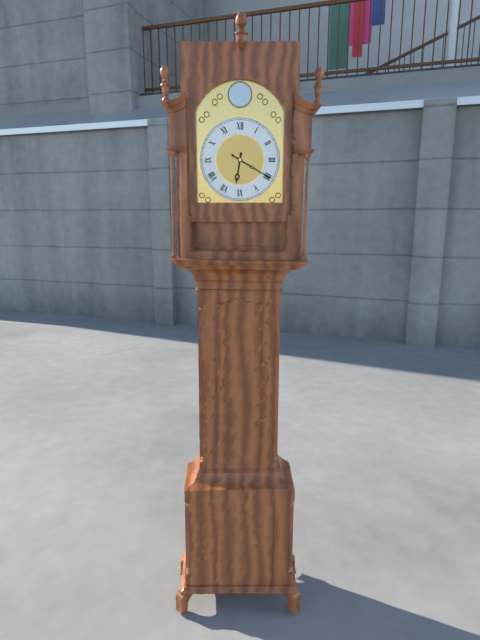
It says 6.20
